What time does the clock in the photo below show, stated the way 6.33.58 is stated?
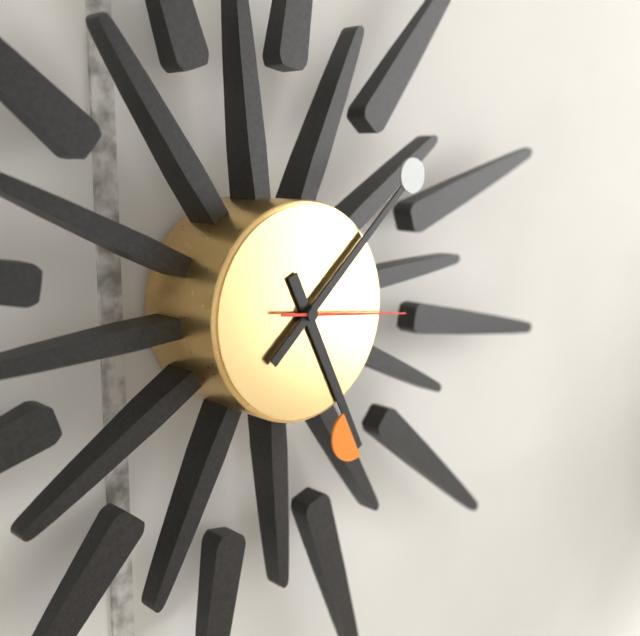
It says 5.08.16
